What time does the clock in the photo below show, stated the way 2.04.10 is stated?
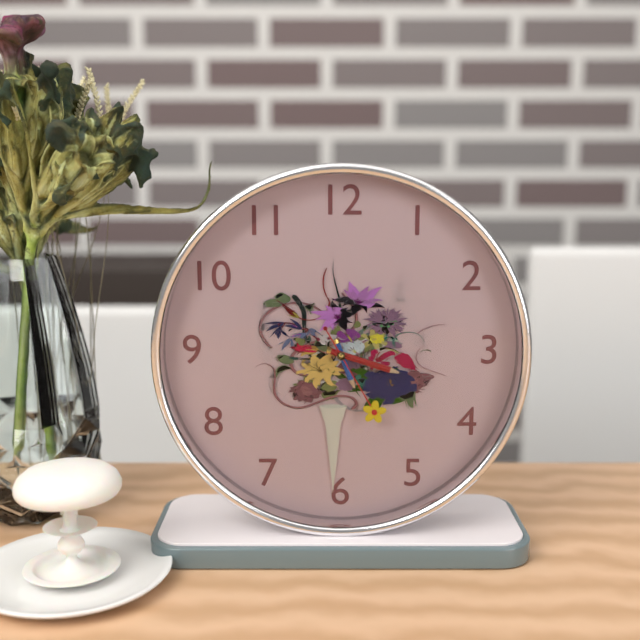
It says 5.18.25
